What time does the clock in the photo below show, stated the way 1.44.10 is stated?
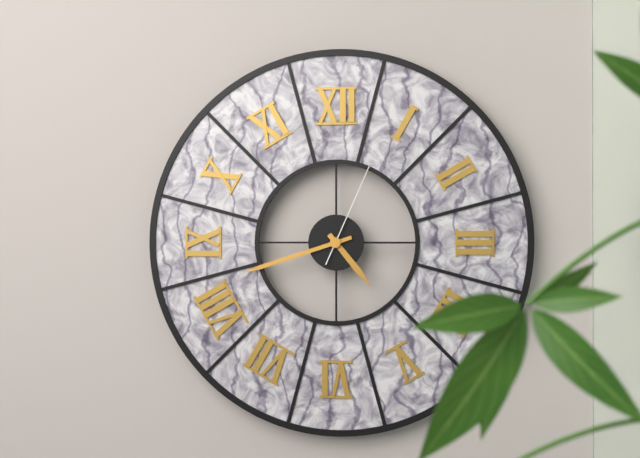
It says 4.42.04
